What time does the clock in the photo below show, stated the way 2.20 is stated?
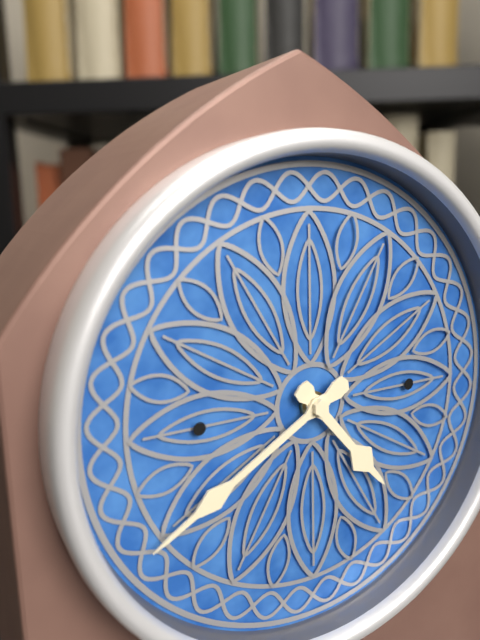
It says 4.40
